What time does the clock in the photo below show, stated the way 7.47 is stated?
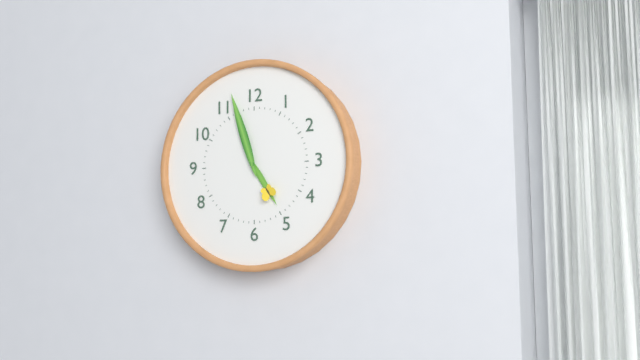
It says 4.57
